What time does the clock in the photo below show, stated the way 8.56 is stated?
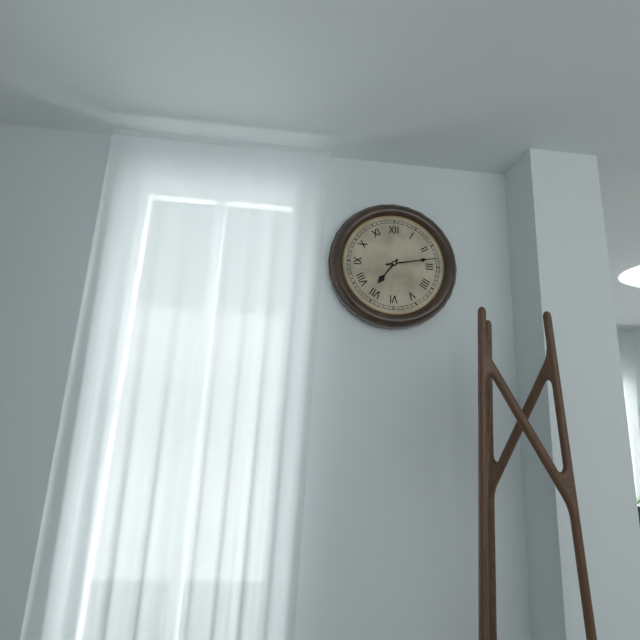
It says 7.13
